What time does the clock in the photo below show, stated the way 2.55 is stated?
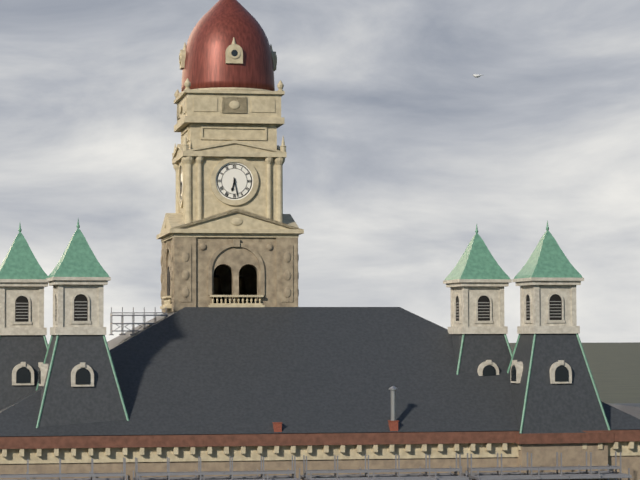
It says 6.28
